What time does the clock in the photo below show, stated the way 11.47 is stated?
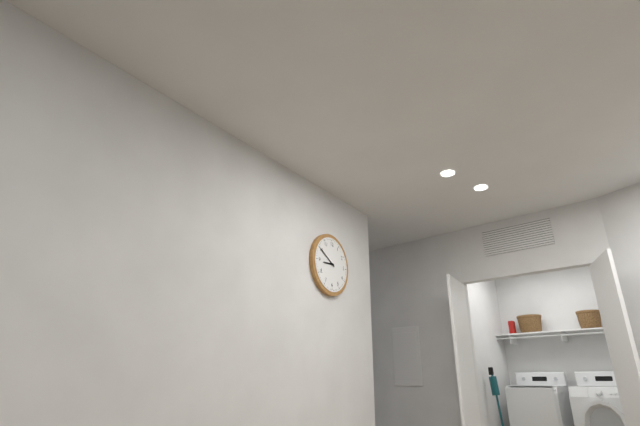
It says 8.50
